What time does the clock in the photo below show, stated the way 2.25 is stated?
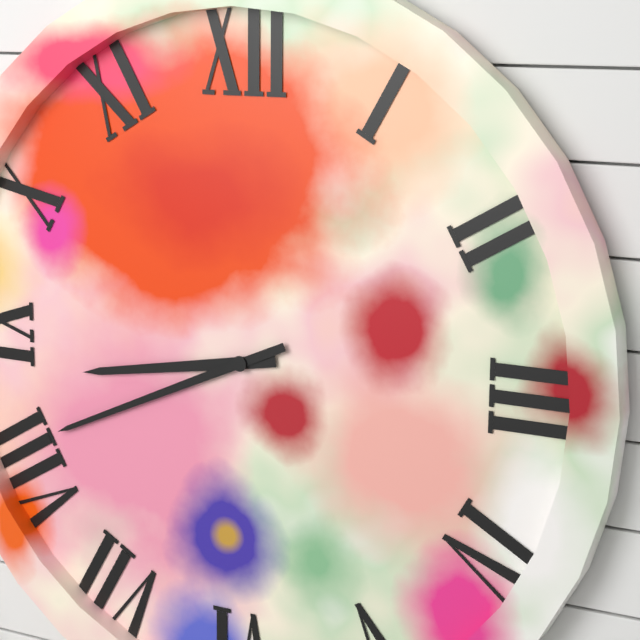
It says 8.41
